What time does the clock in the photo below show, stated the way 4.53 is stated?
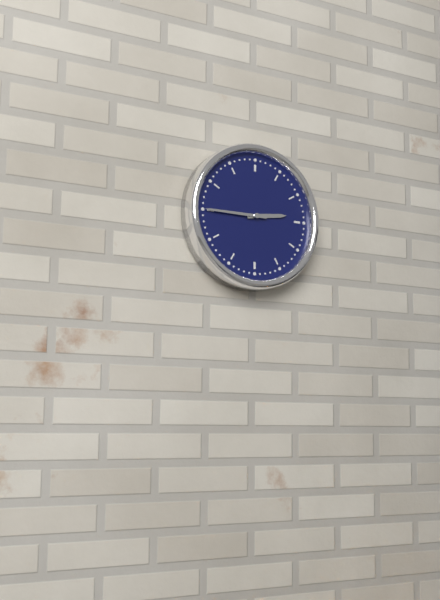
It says 2.45
